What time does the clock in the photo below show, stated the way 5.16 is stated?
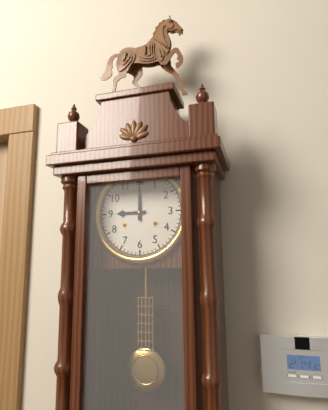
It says 9.00
